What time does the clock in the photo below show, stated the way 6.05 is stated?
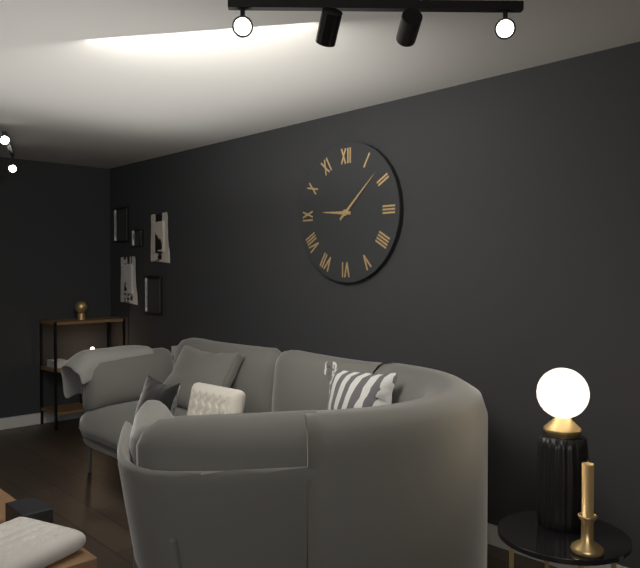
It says 9.08
